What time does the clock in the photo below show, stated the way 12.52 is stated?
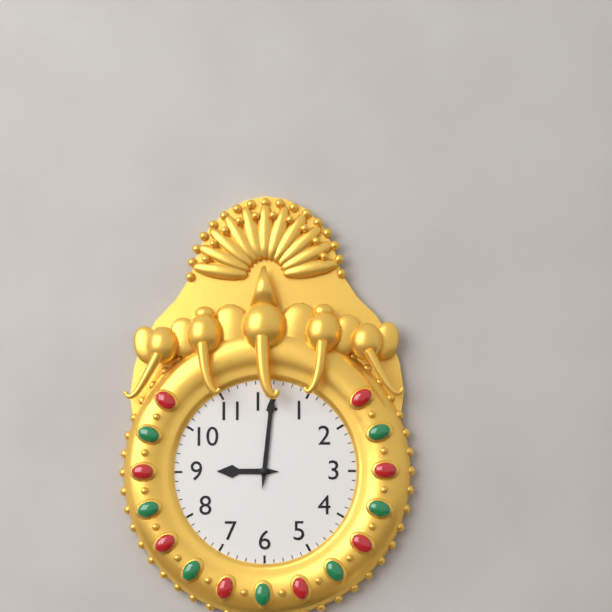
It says 9.01
